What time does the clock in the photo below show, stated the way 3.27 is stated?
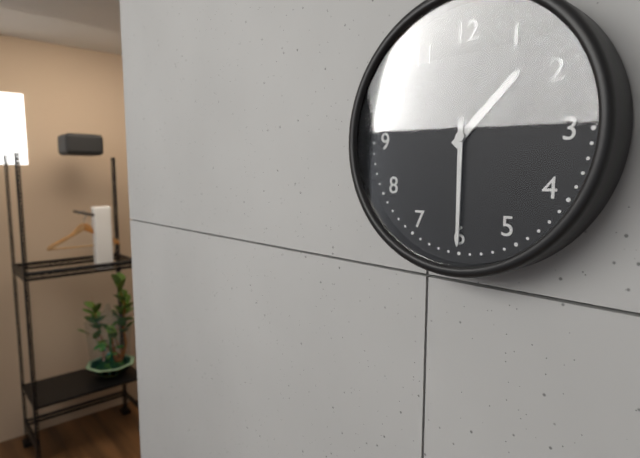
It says 1.30
